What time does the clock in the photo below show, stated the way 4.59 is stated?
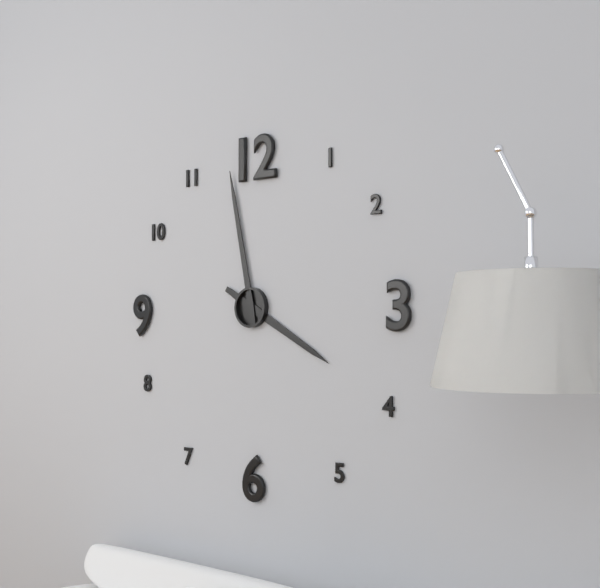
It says 3.58
